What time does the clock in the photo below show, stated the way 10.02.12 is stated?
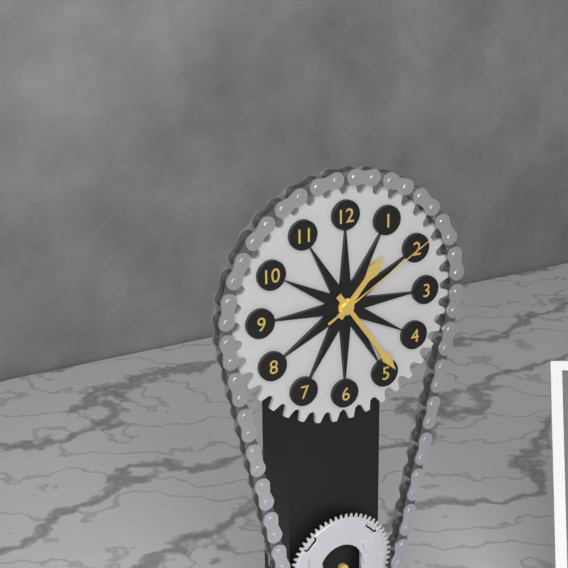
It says 1.24.10
